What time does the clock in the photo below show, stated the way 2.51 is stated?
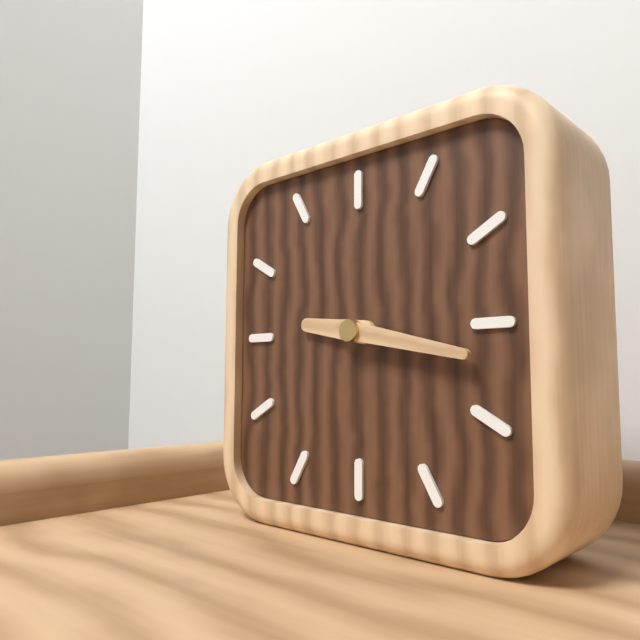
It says 9.17
